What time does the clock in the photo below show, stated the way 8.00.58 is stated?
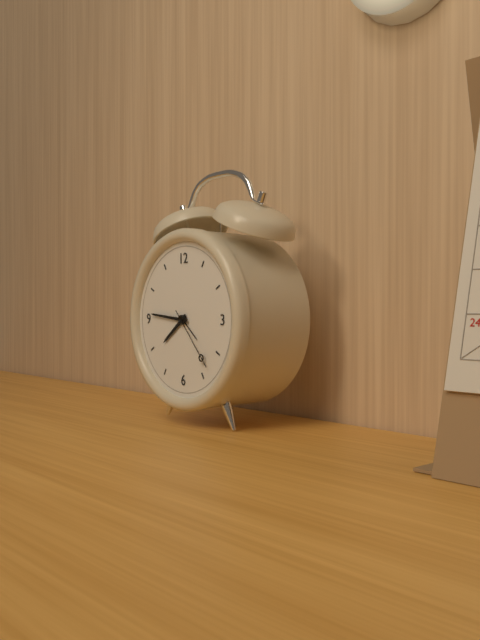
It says 7.46.23
